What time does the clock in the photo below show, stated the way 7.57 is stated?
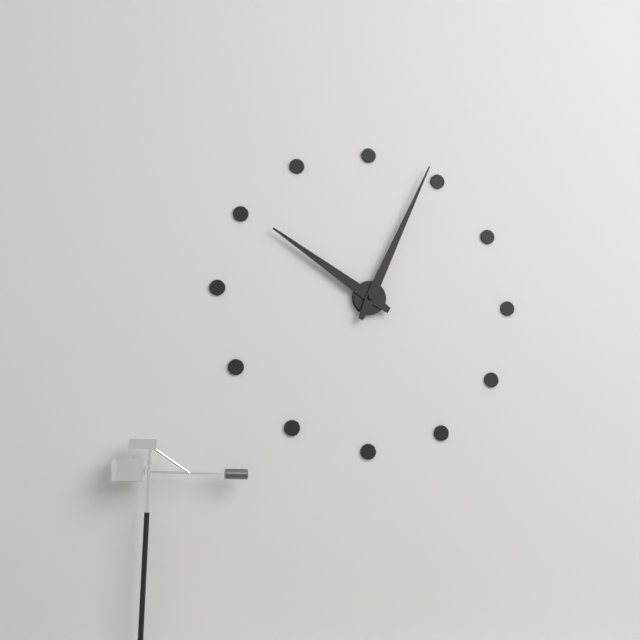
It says 10.04
